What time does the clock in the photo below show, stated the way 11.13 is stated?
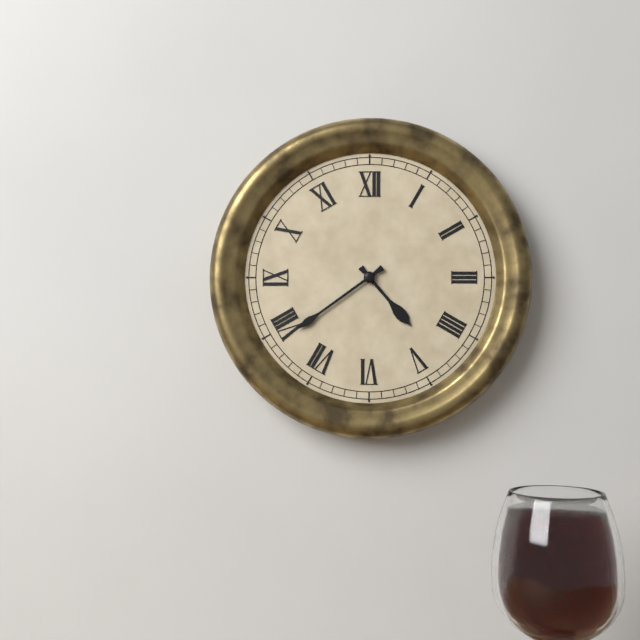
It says 4.39
